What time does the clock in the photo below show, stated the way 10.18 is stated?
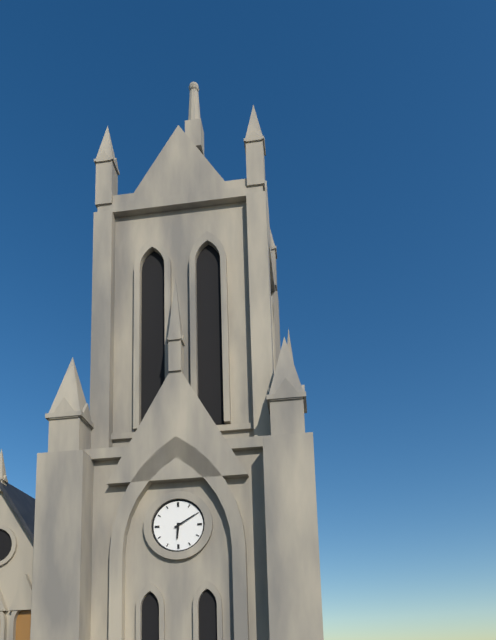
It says 6.10
